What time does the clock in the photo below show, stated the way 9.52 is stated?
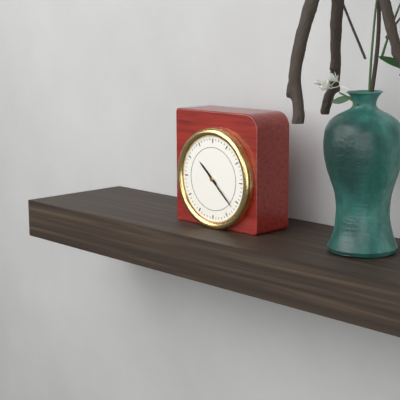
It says 10.22
